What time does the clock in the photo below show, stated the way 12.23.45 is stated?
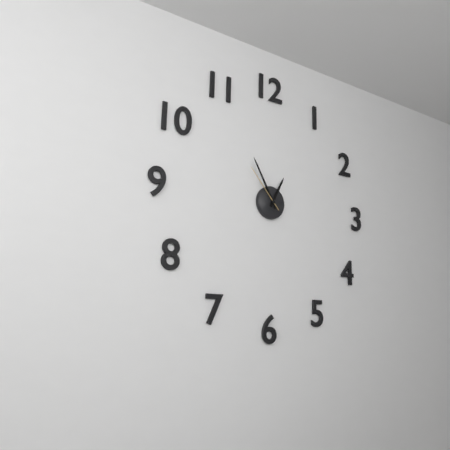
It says 12.55.53
